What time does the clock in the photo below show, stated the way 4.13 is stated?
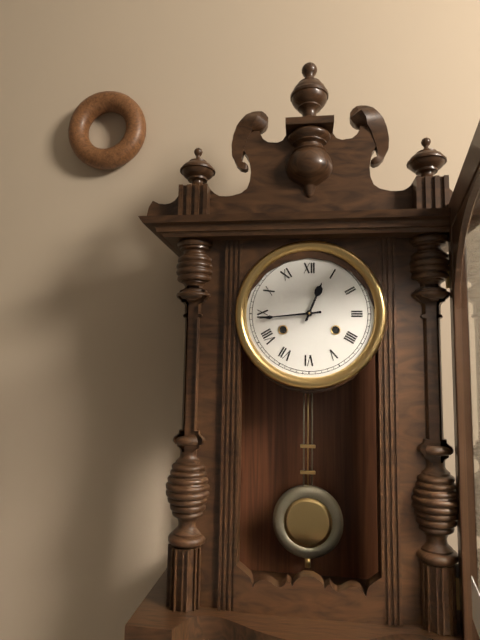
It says 12.44
